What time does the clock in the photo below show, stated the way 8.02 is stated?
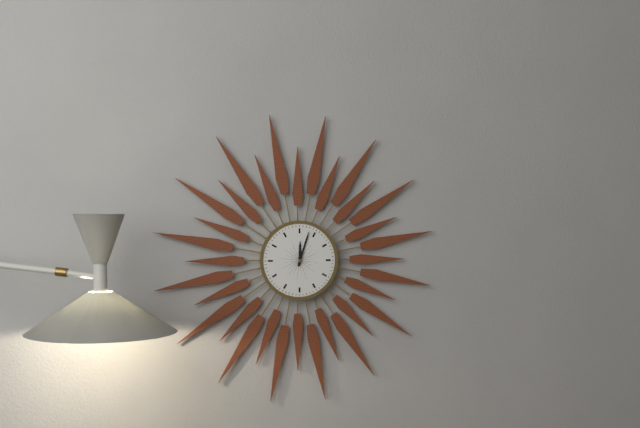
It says 12.03
